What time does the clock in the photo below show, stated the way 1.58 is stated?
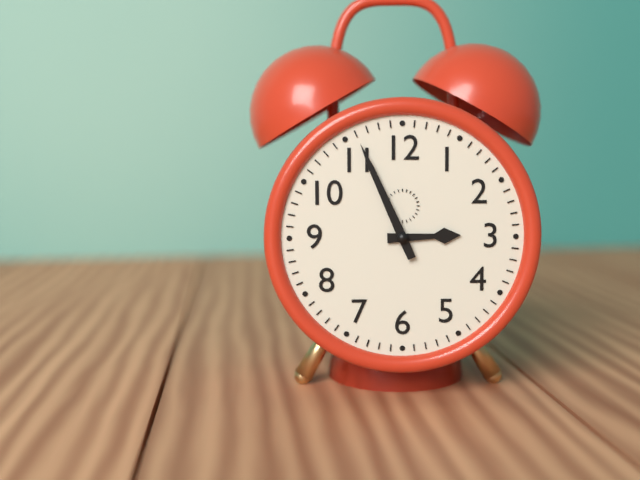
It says 2.56
